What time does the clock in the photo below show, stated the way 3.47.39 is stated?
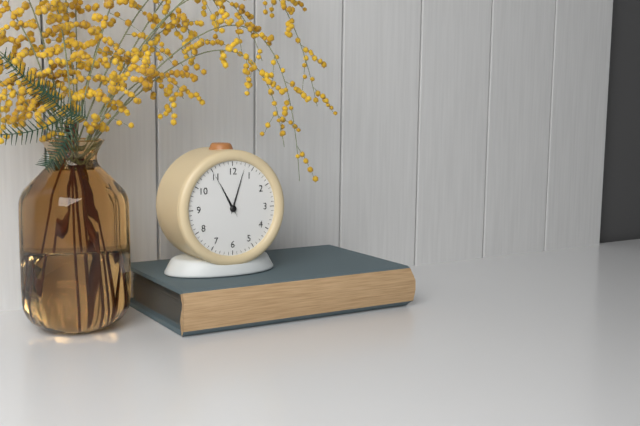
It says 11.03.55
